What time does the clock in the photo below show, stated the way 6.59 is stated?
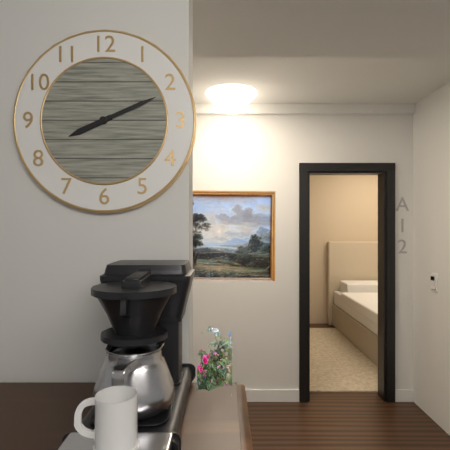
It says 8.11
